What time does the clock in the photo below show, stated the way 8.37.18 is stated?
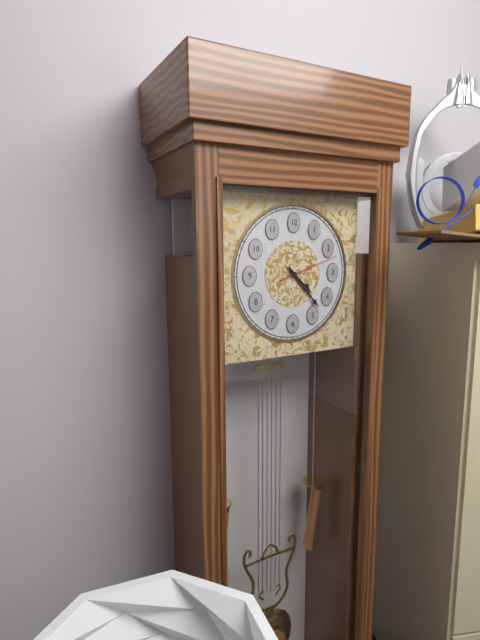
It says 4.23.12
